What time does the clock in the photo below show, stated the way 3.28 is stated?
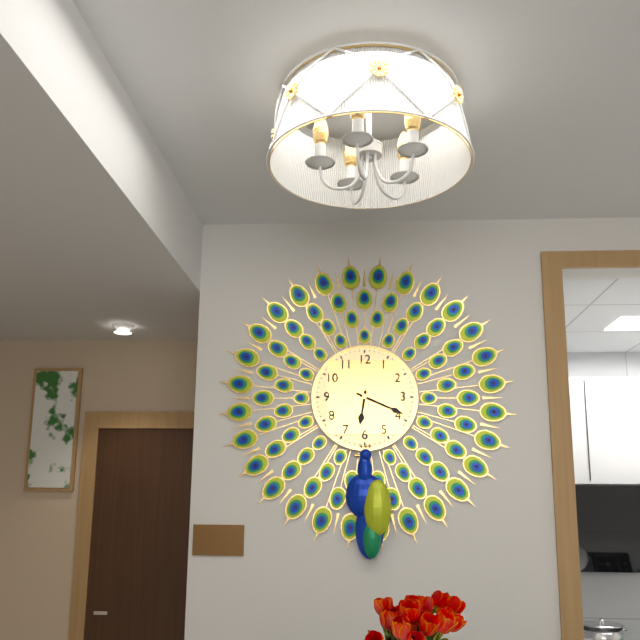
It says 6.19
